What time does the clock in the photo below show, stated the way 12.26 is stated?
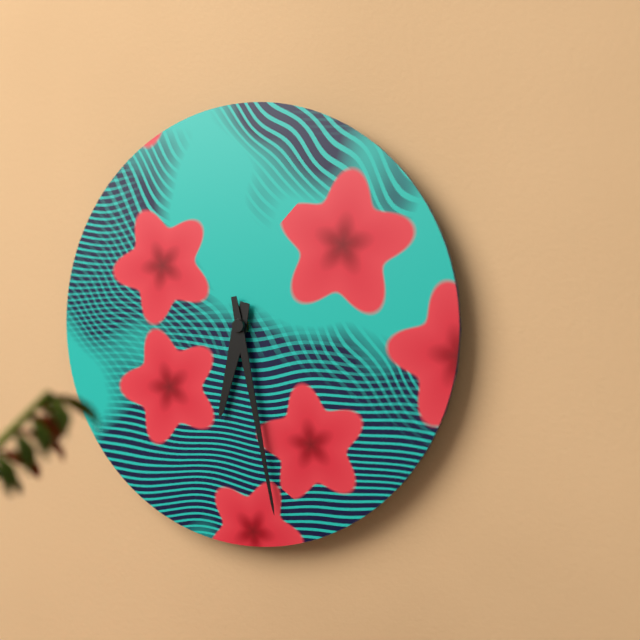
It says 6.28
